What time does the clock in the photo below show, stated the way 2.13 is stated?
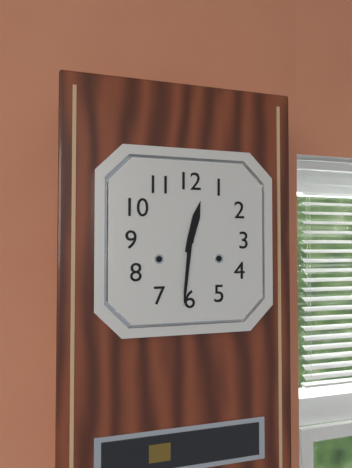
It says 12.31
